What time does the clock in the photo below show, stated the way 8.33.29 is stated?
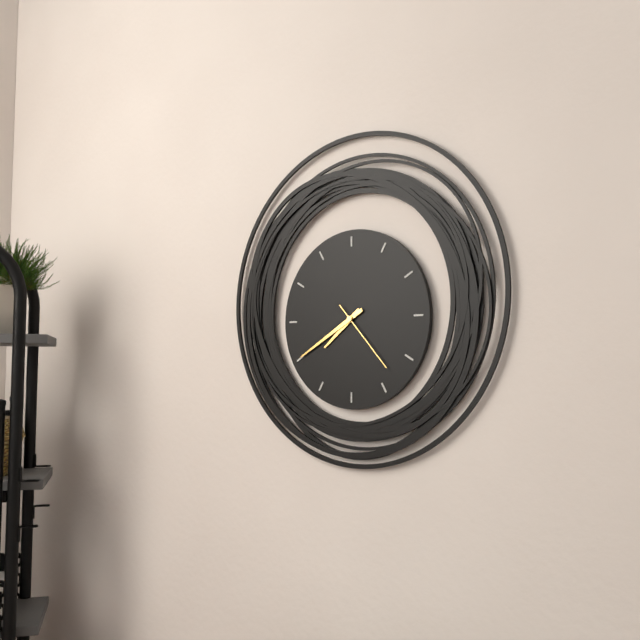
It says 7.40.23
